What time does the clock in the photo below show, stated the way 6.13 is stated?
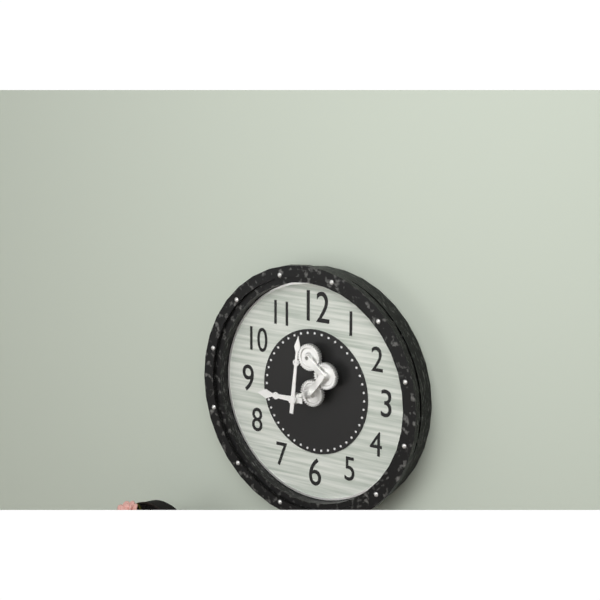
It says 9.01
